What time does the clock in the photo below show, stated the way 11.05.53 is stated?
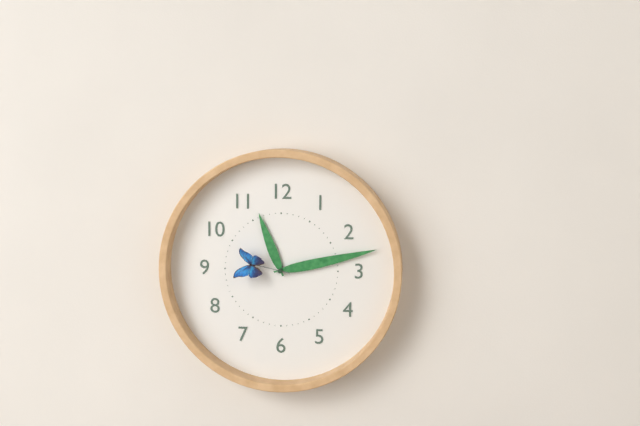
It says 11.13.47
